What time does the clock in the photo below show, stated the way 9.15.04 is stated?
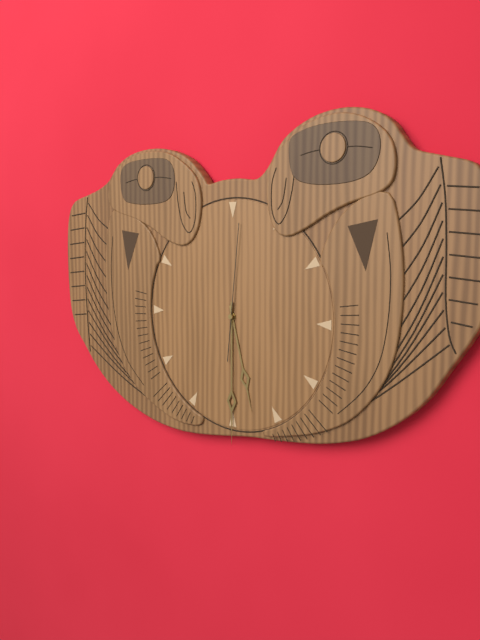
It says 5.30.01
